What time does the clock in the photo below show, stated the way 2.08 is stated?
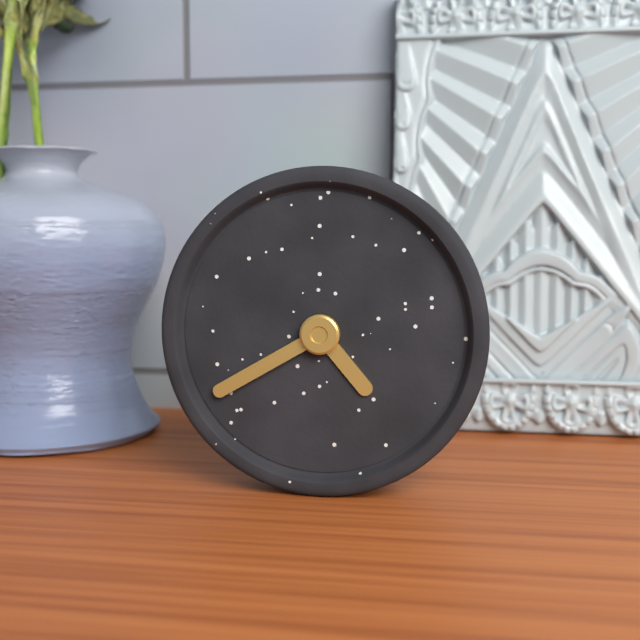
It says 4.40
